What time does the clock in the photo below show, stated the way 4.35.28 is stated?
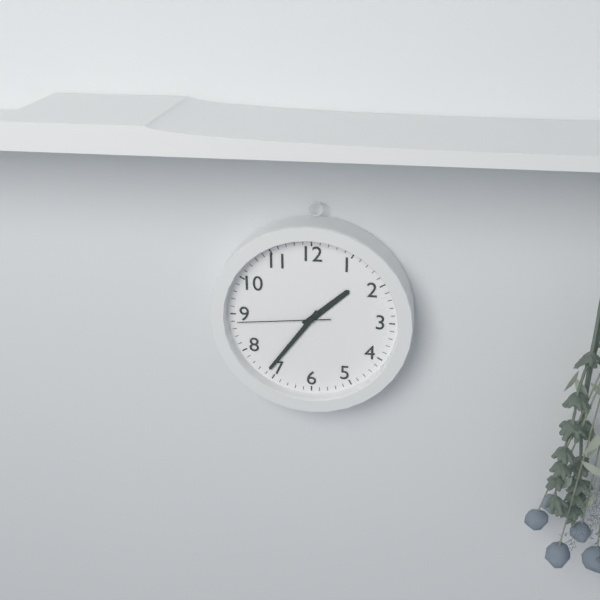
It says 1.36.44
